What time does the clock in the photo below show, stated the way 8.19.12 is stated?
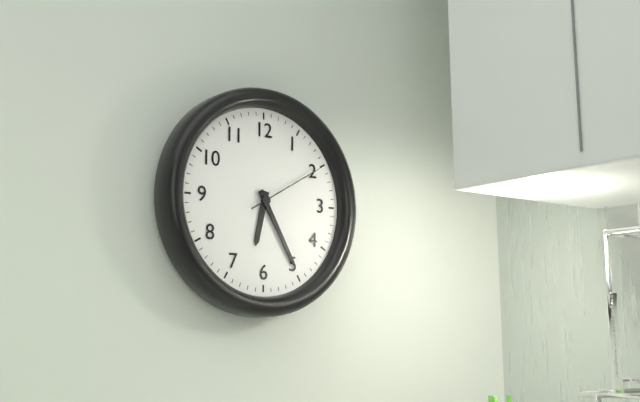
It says 6.25.10
